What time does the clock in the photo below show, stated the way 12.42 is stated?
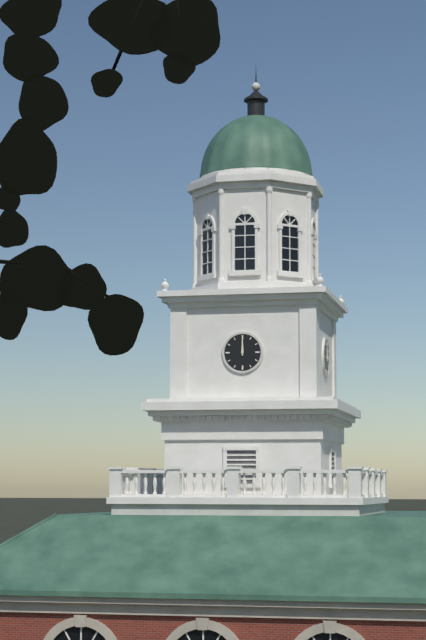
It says 12.00
